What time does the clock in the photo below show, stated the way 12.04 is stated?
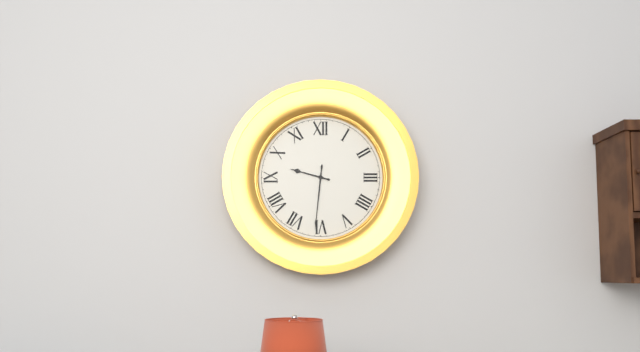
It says 9.31
